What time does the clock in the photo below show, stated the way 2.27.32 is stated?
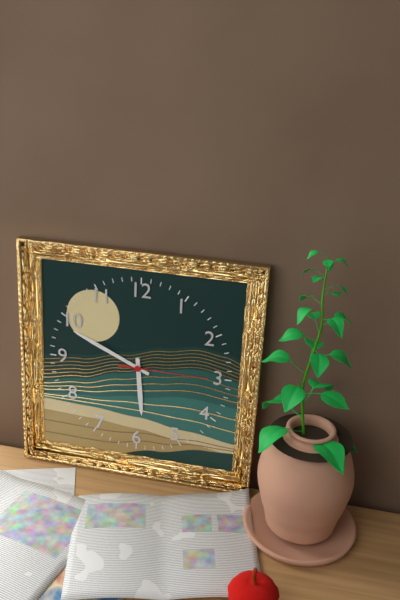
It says 5.49.15
